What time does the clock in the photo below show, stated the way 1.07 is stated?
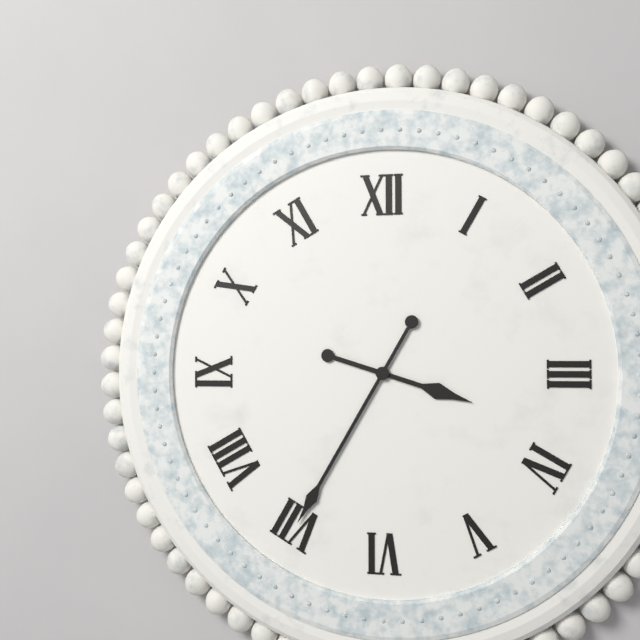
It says 3.35
